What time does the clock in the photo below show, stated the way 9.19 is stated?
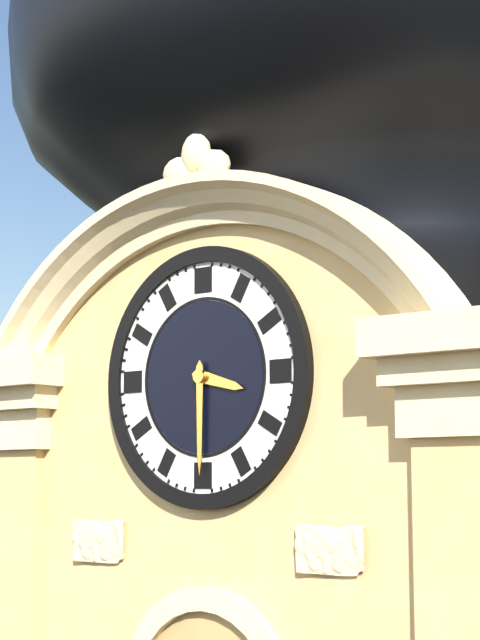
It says 3.30
